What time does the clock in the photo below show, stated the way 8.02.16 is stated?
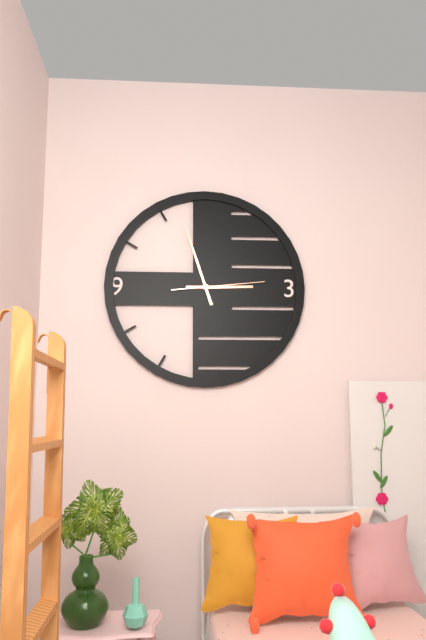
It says 2.57.14
